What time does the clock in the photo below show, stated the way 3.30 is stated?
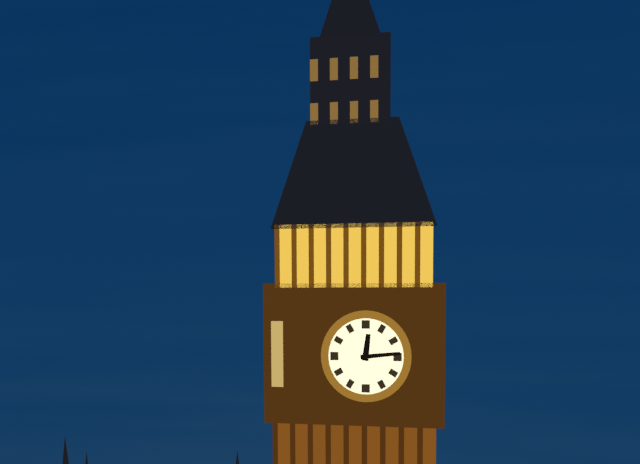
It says 12.14
